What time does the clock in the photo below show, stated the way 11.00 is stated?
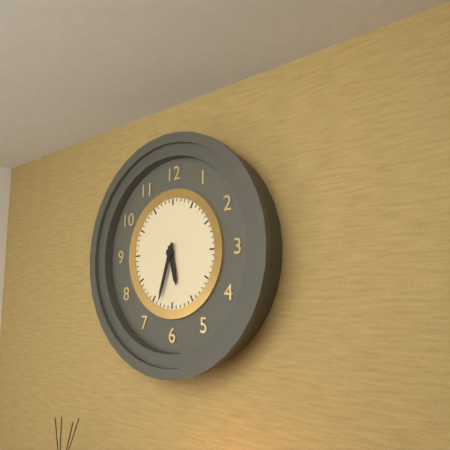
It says 5.33
